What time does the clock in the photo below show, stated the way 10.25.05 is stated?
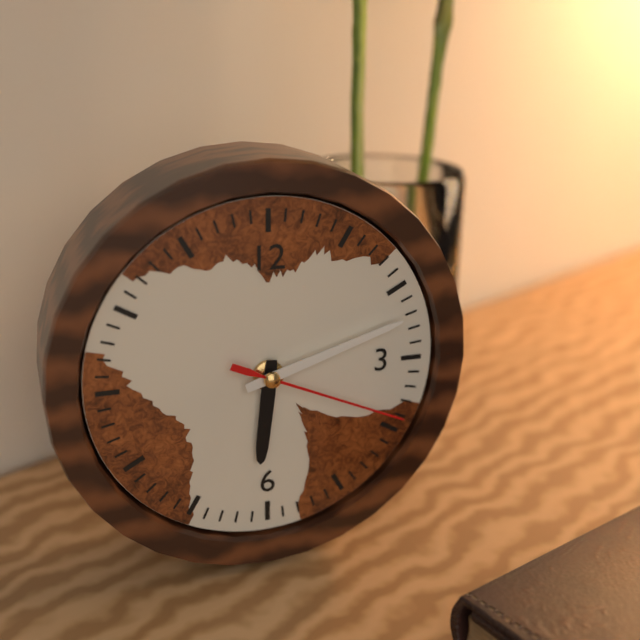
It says 6.12.19
